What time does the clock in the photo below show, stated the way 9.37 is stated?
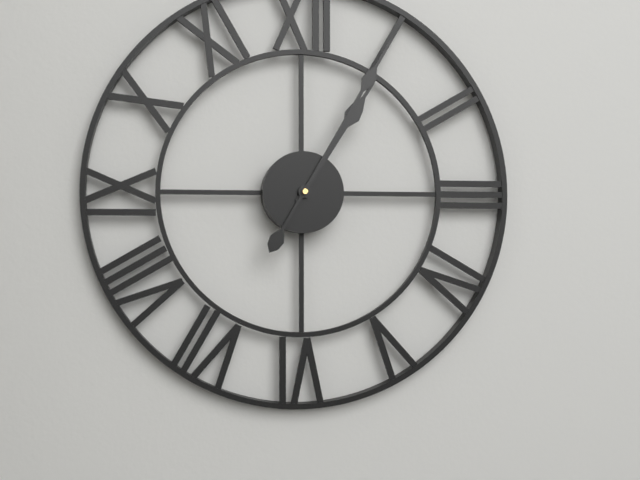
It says 1.05
